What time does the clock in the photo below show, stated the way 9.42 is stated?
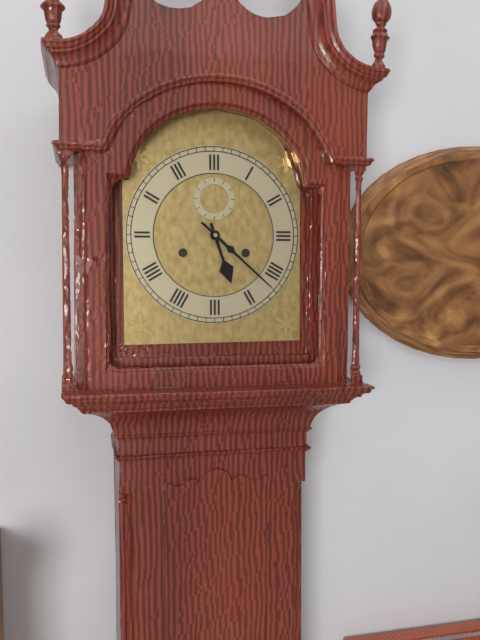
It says 5.22
